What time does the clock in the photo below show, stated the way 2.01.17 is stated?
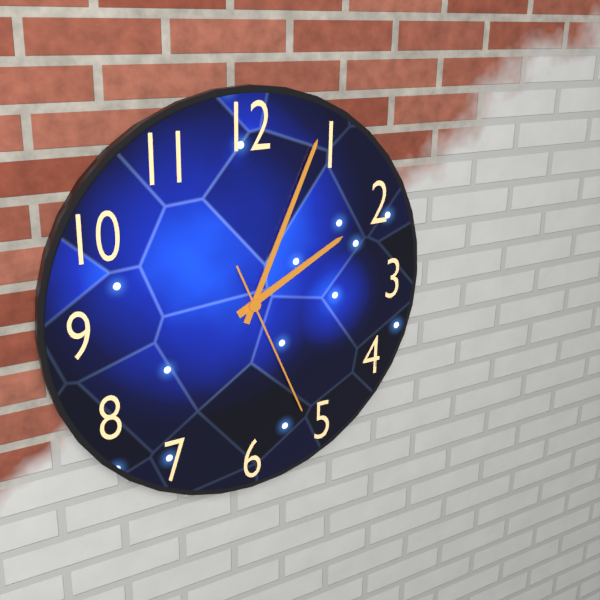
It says 2.04.26
